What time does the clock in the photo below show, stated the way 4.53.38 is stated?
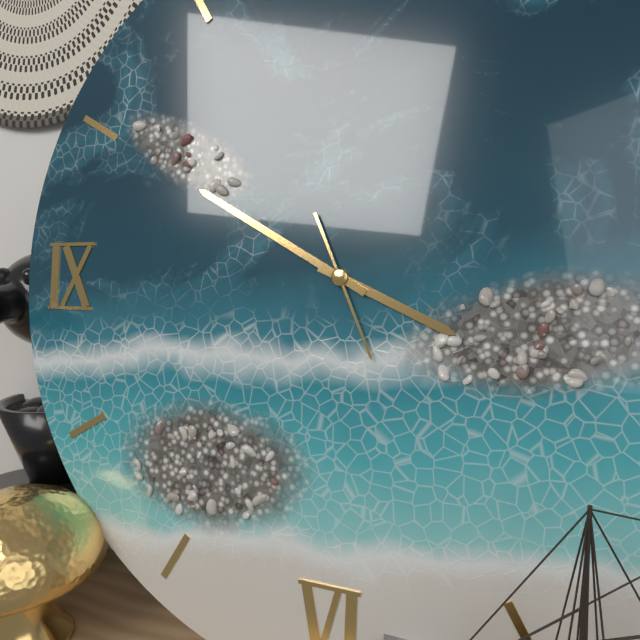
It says 3.50.26
